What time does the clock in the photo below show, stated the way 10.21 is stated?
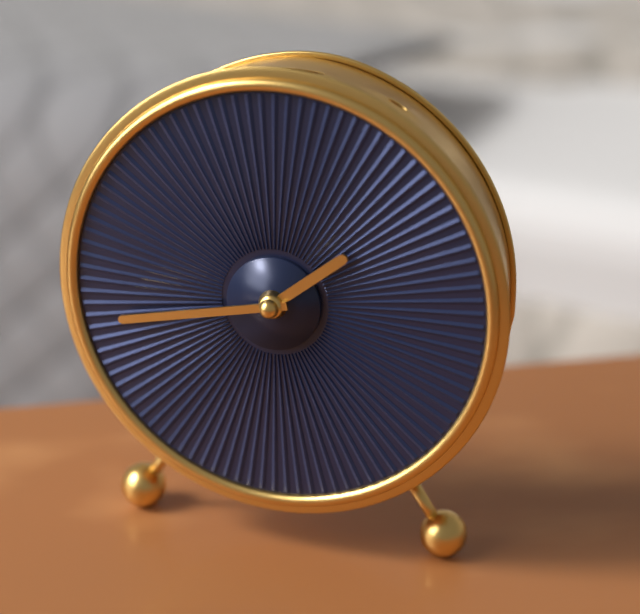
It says 1.43
